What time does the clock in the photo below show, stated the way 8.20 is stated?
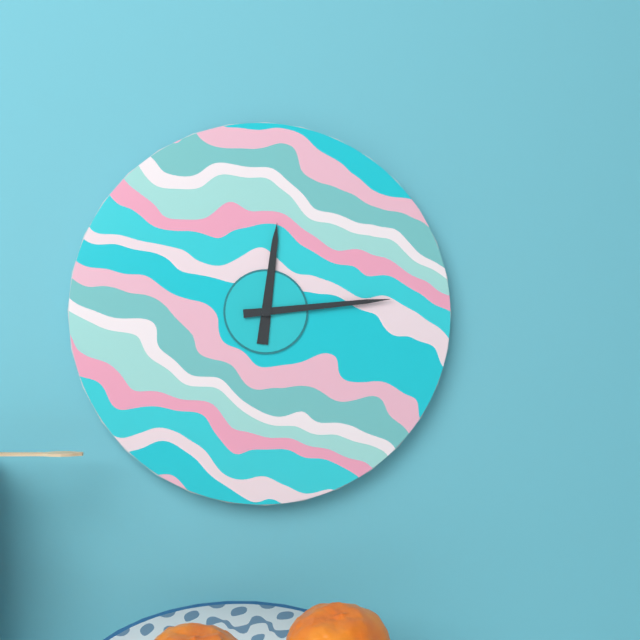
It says 12.14
